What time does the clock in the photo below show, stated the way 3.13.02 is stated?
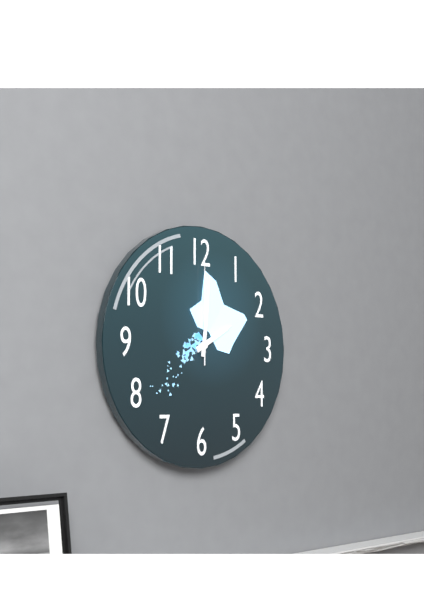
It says 2.01.00
